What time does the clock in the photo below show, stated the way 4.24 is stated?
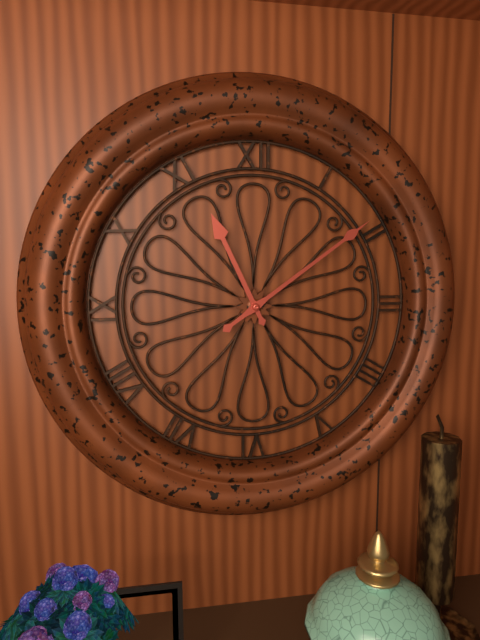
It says 11.09
